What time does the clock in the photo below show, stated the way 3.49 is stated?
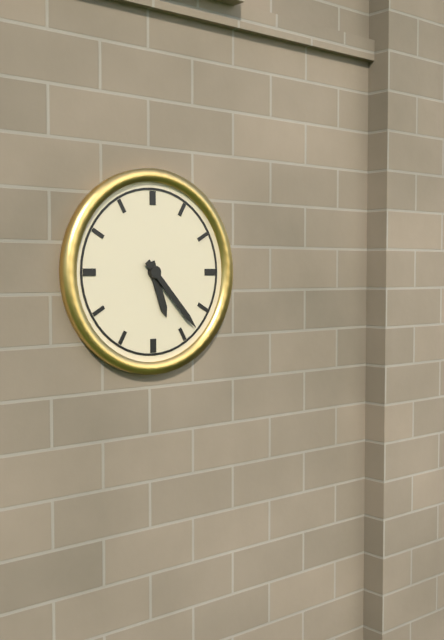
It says 5.23
